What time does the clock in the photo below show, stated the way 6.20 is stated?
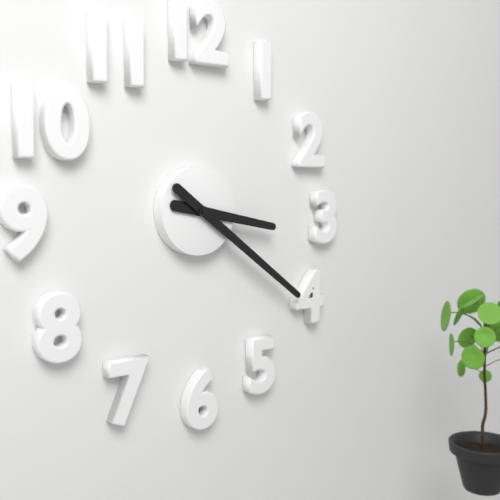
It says 3.21
